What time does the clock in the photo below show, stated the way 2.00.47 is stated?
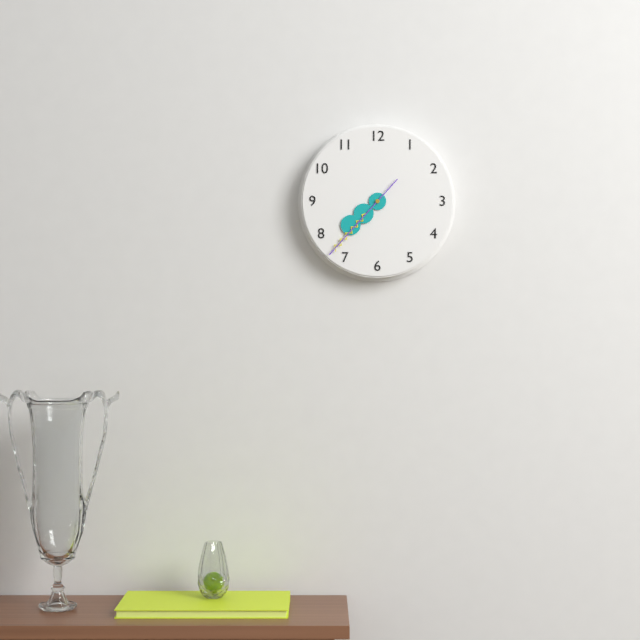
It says 7.37.37
